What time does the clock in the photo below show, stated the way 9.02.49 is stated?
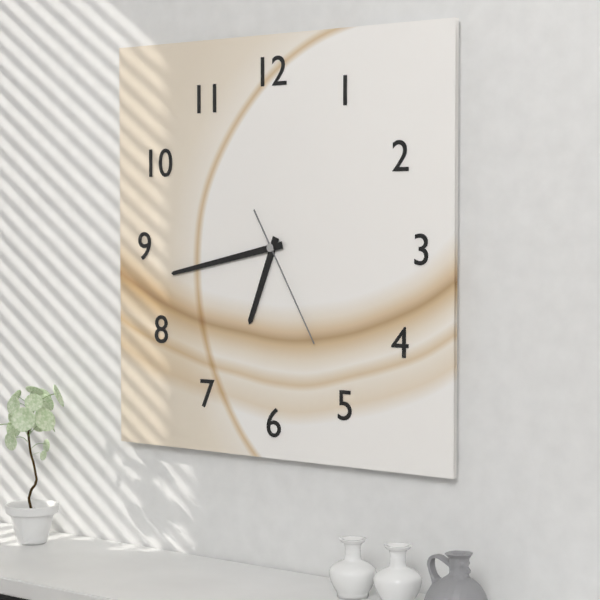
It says 6.43.25
